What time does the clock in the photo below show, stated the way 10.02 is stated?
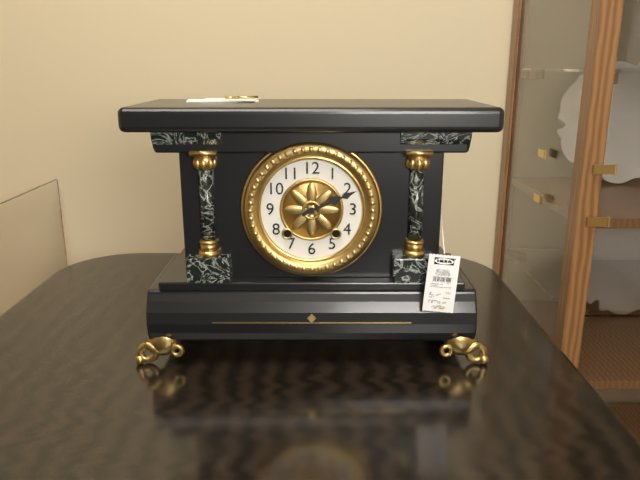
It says 2.11
